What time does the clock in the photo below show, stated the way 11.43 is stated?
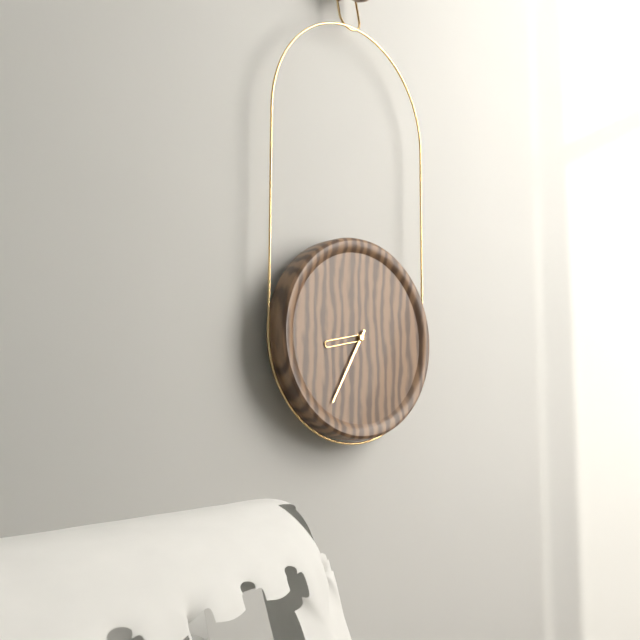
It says 8.35
